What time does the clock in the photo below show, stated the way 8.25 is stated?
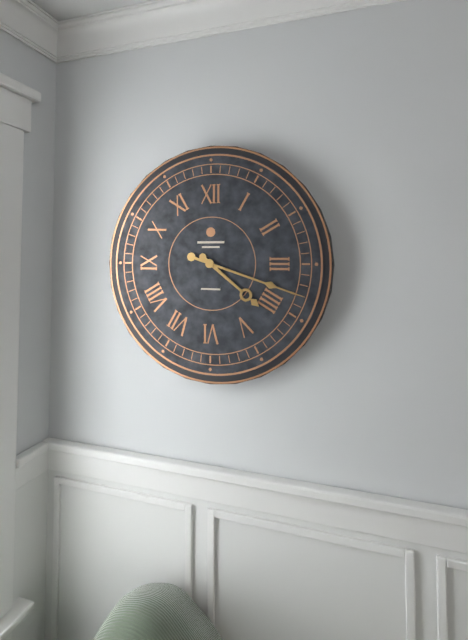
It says 4.18
